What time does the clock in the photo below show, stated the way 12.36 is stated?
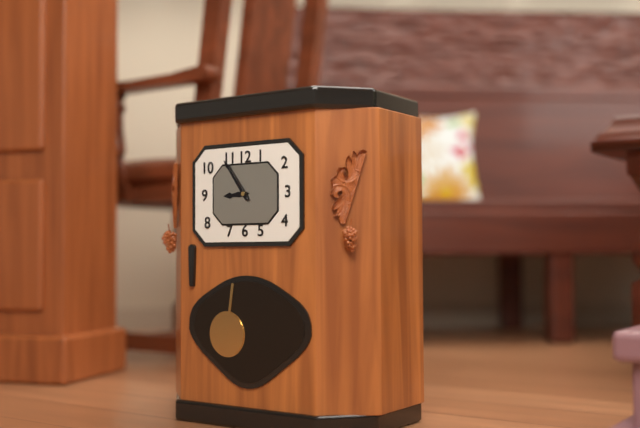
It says 8.54
